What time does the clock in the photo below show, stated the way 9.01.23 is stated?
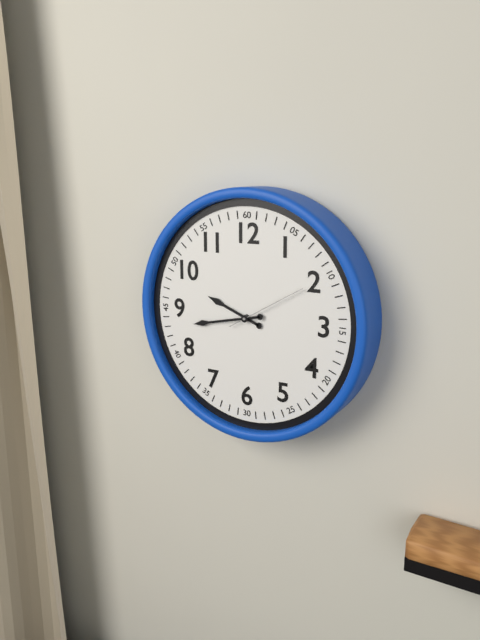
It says 9.43.10
